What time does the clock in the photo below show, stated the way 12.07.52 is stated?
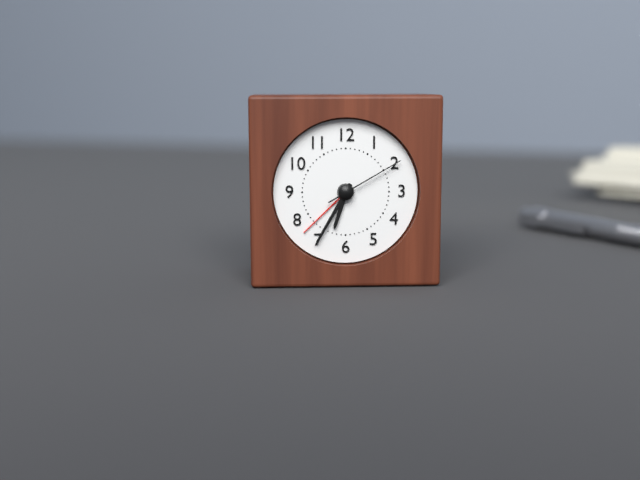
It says 6.35.10
